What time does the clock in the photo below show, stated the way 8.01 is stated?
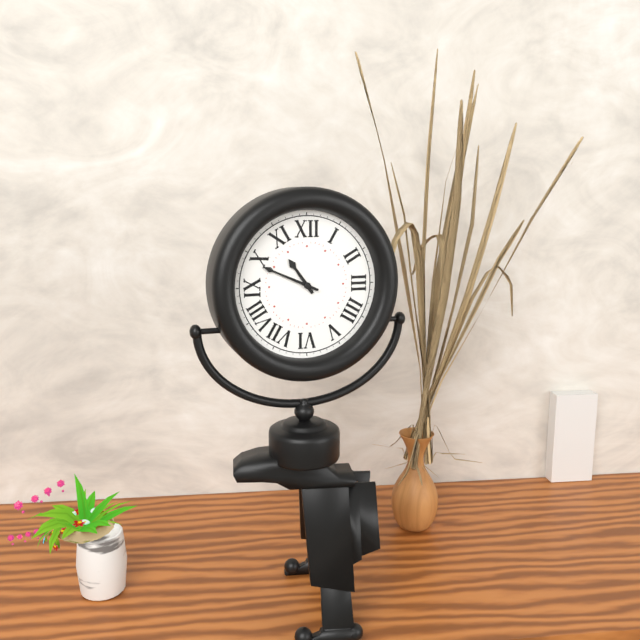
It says 10.49
